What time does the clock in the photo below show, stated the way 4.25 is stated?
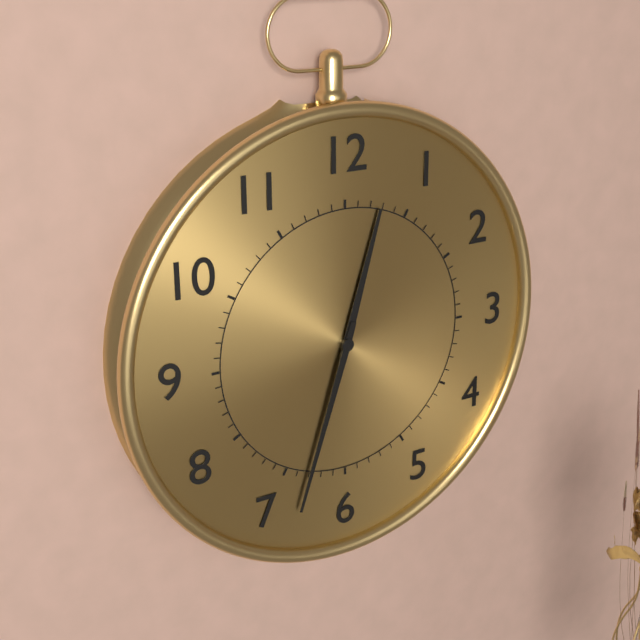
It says 12.33
